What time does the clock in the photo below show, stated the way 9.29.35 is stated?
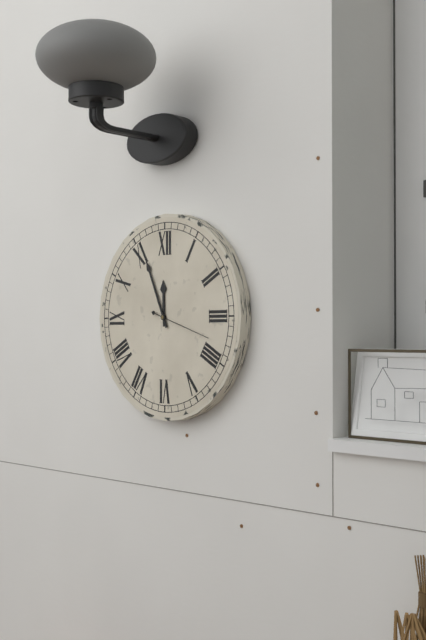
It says 11.56.18
